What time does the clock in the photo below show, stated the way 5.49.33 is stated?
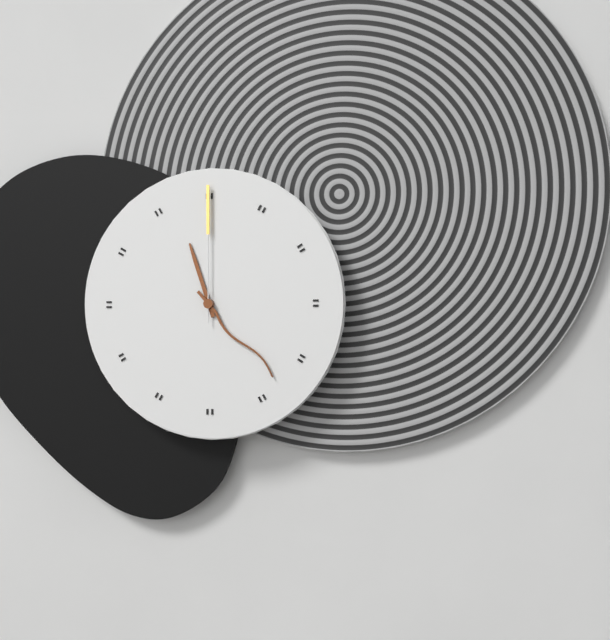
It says 11.23.00
